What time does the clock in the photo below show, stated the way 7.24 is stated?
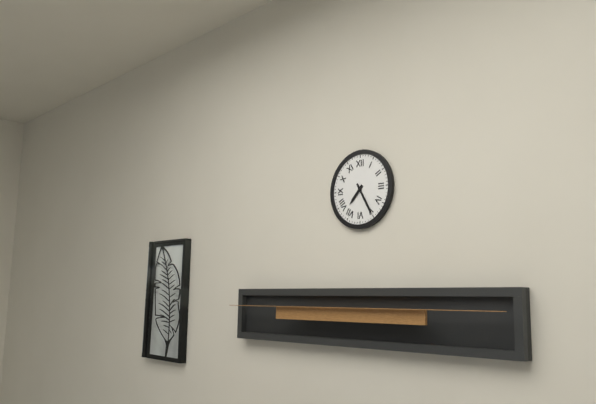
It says 7.25
